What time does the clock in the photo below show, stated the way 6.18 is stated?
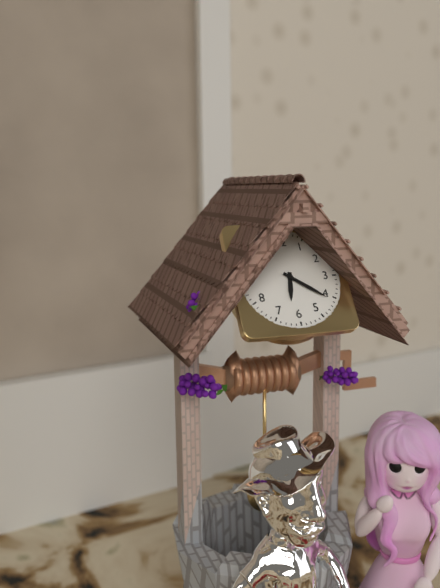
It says 6.21
